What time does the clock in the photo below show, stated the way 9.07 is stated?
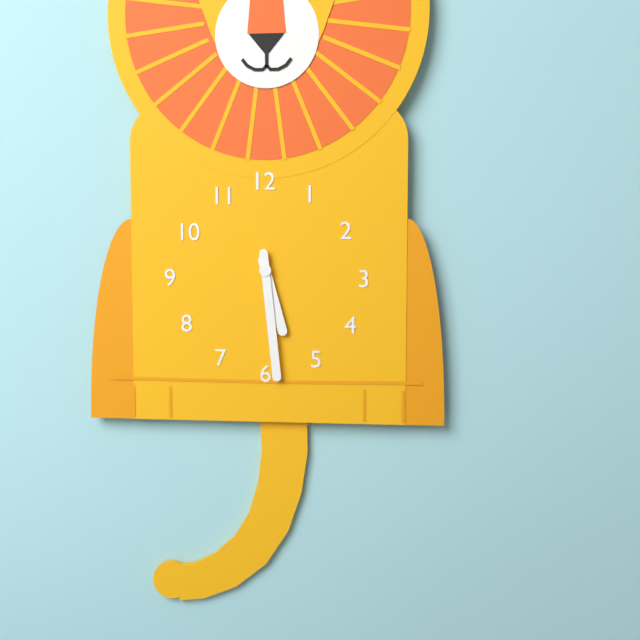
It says 5.29
